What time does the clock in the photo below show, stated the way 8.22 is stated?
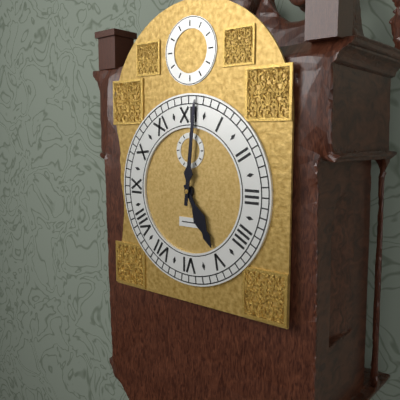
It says 5.01
